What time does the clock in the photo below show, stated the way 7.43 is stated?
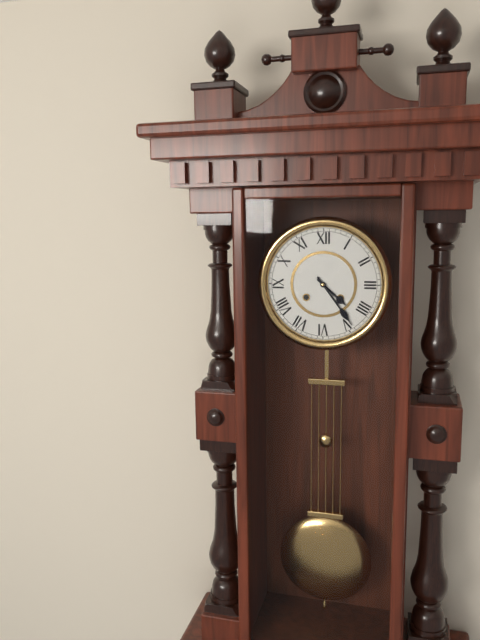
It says 4.24
